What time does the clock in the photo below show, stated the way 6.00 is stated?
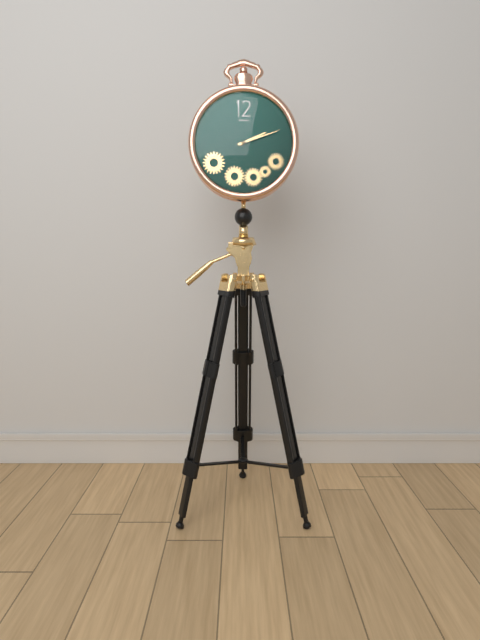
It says 2.12
